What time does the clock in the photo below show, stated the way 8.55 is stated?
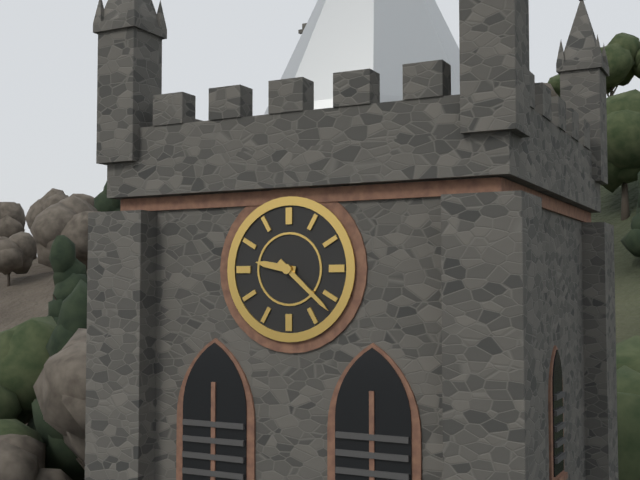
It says 9.22
